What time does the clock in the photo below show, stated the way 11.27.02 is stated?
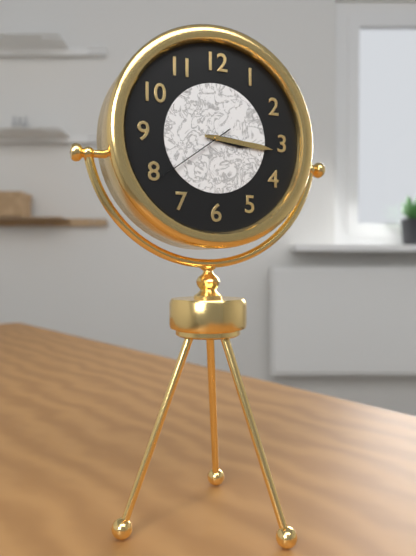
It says 3.16.39
